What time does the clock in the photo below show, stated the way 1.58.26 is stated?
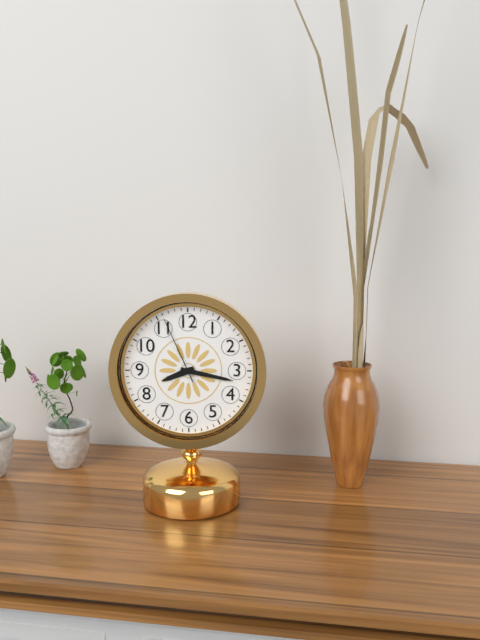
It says 8.17.56
